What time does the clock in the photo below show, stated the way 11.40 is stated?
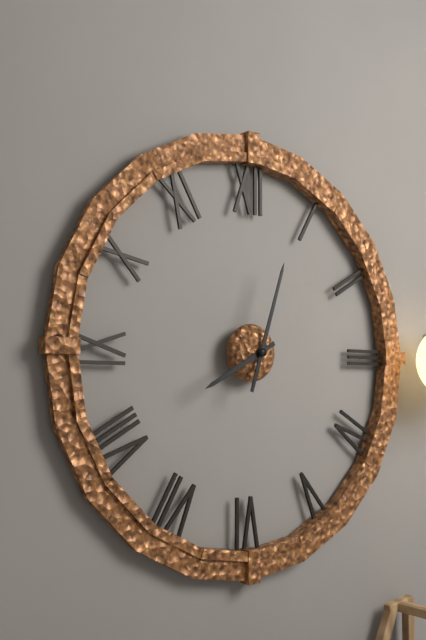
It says 8.03
